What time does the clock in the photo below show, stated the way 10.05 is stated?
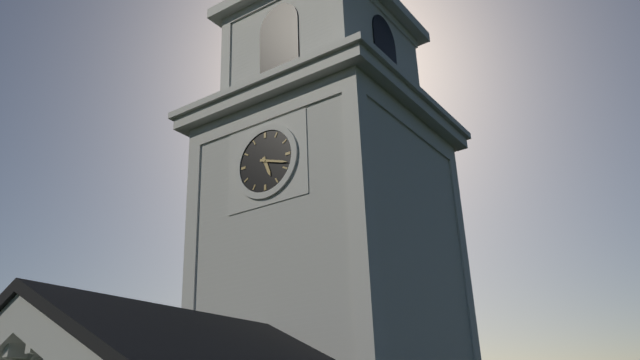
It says 5.18
